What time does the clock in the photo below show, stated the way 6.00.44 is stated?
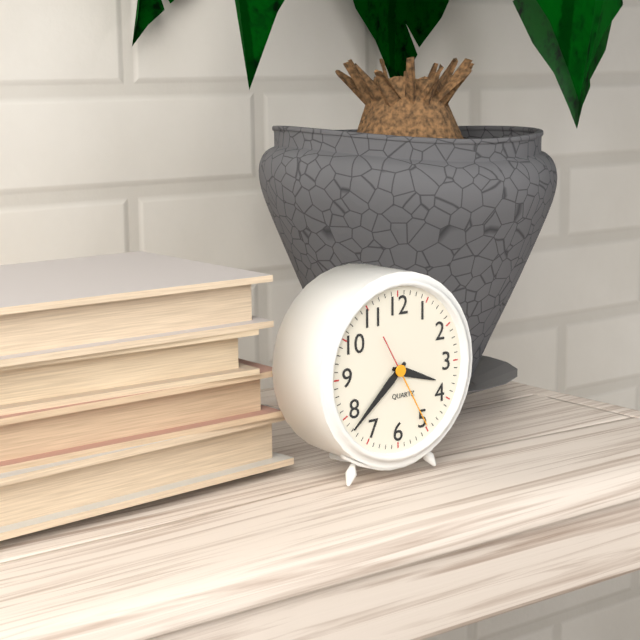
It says 3.38.25
